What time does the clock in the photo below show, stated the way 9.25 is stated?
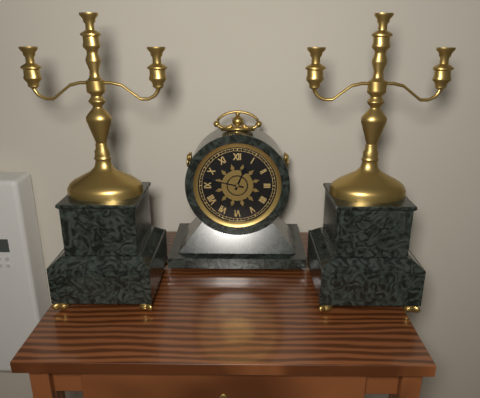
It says 12.47
